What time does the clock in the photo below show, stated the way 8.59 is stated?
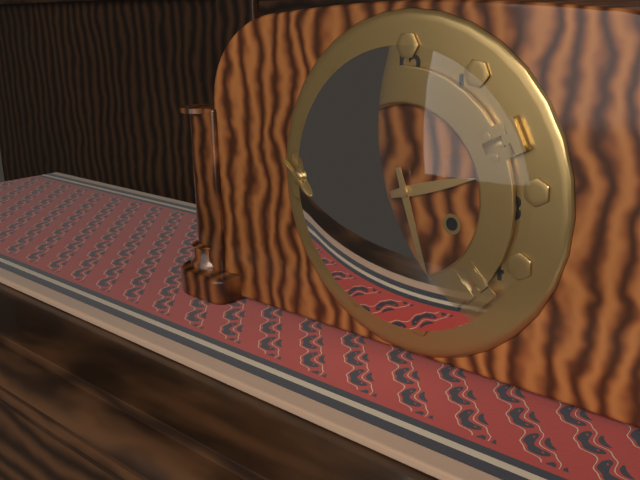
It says 2.27
